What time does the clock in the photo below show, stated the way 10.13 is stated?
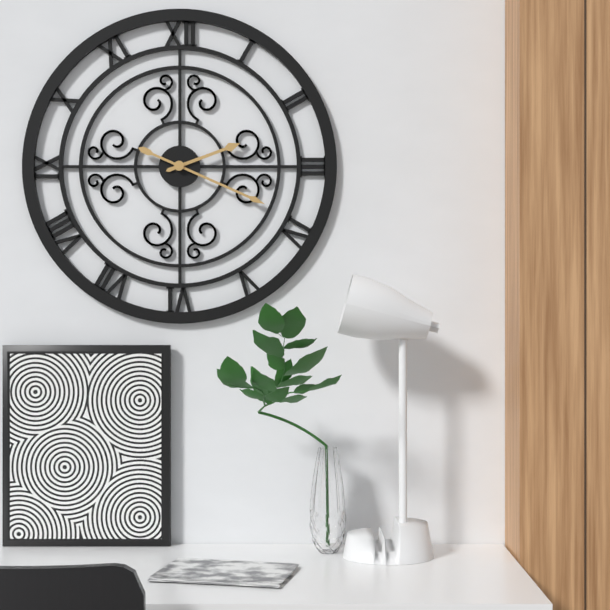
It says 2.19
